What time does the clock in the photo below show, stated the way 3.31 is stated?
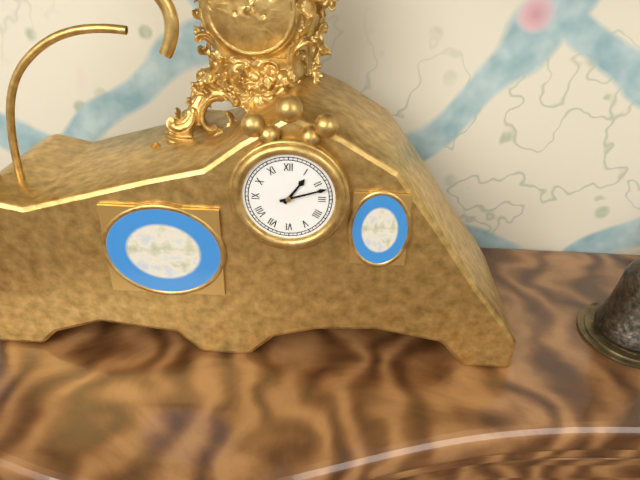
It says 1.12
